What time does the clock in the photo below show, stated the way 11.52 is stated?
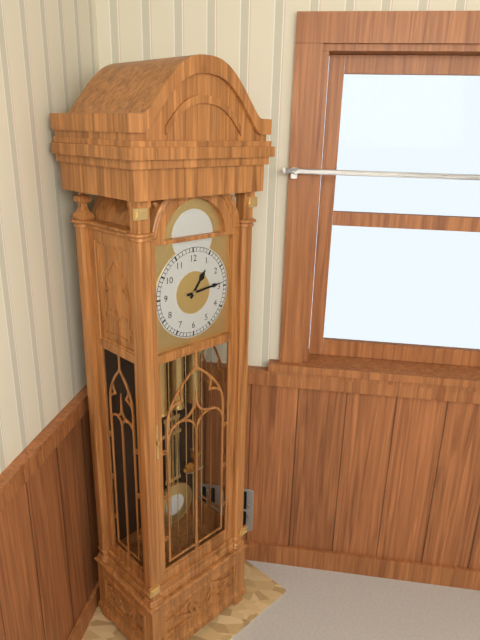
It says 1.14
